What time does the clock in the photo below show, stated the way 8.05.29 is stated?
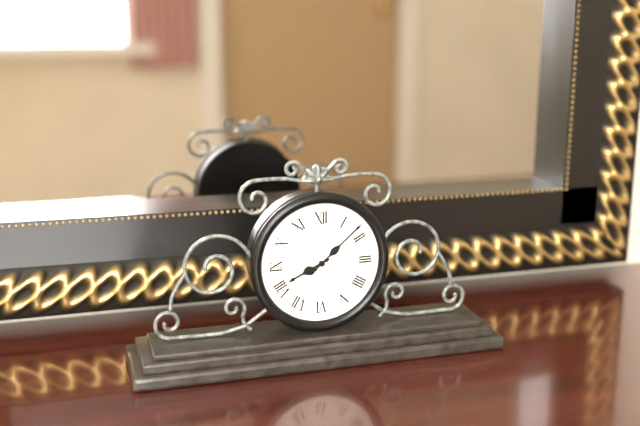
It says 8.08.08
